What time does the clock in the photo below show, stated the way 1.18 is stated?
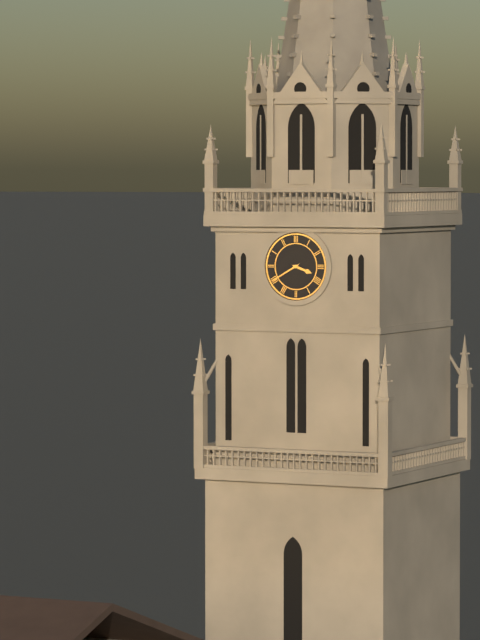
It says 3.40
